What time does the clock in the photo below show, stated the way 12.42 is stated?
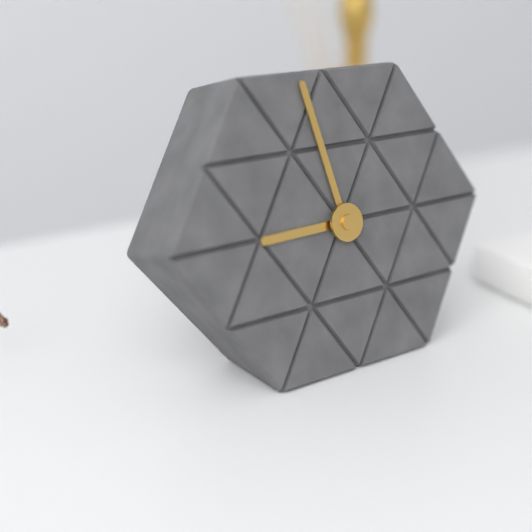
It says 8.58
